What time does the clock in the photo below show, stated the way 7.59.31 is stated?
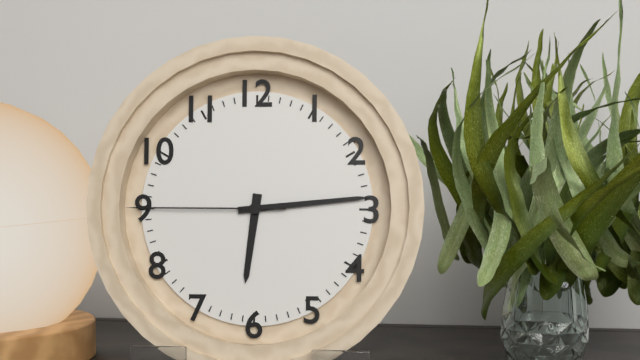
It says 6.14.45
